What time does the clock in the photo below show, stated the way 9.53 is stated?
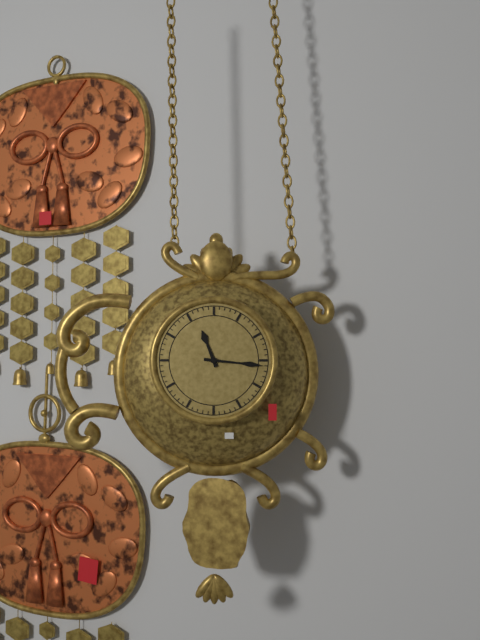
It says 11.16
